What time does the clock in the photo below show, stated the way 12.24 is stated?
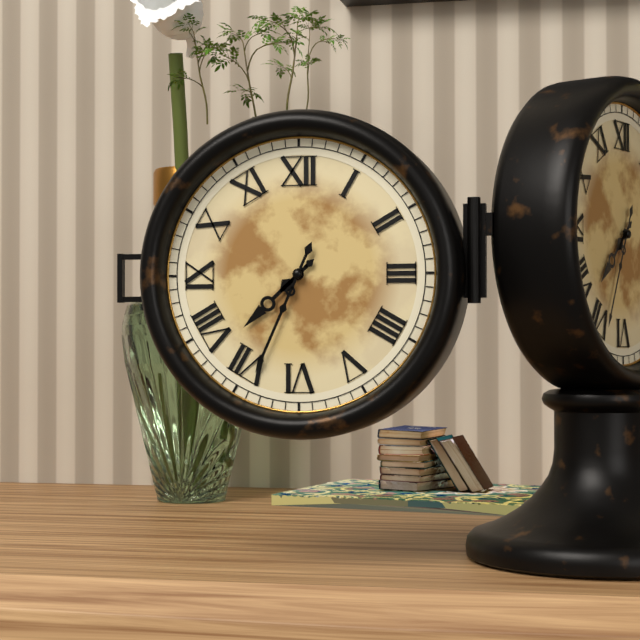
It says 7.34
